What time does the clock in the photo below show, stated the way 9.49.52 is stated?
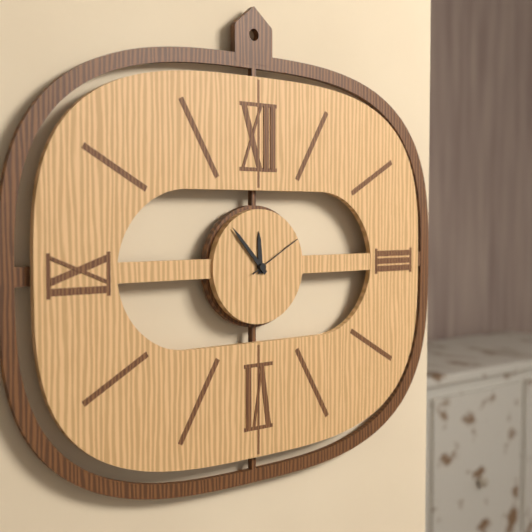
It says 11.53.10
